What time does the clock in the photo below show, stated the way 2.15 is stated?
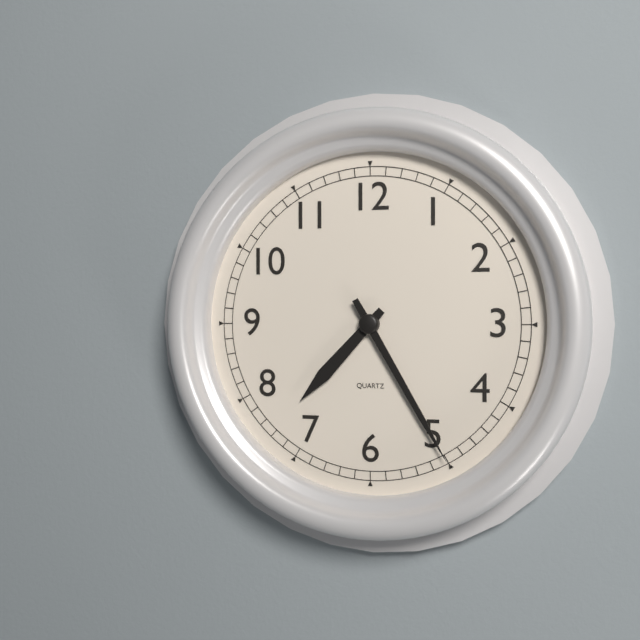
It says 7.25
